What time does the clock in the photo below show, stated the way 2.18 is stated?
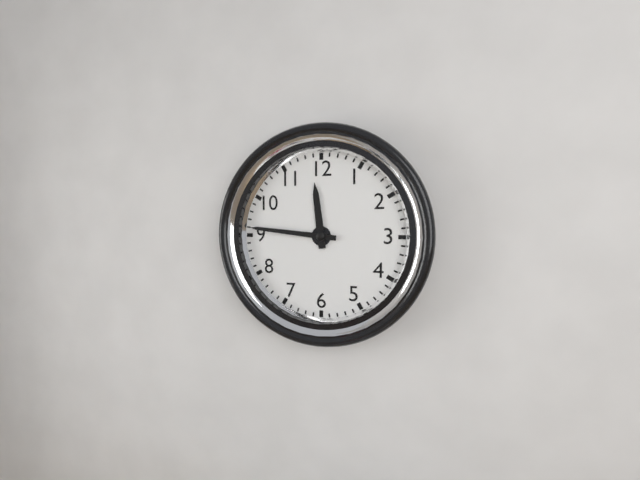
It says 11.46
